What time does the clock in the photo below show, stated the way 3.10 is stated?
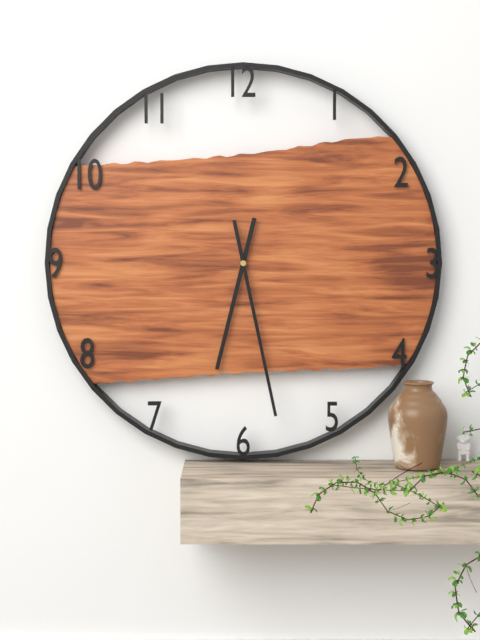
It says 6.28
